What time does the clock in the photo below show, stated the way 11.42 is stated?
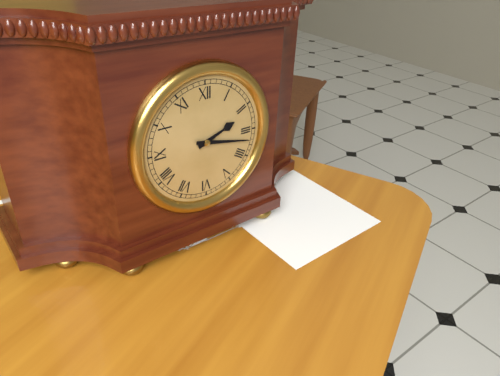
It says 2.17
